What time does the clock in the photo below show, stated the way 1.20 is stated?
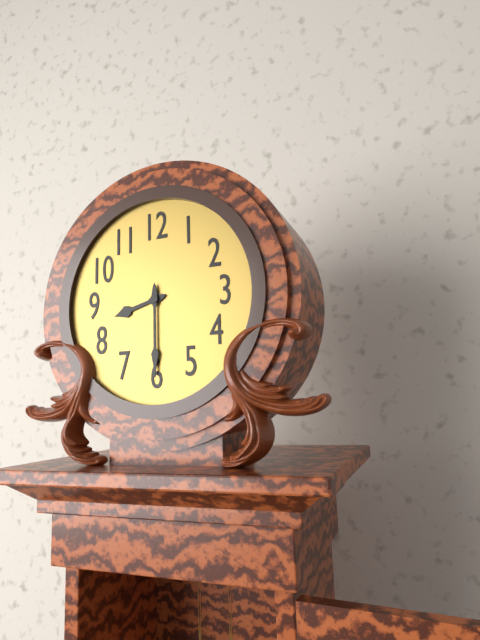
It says 8.30
